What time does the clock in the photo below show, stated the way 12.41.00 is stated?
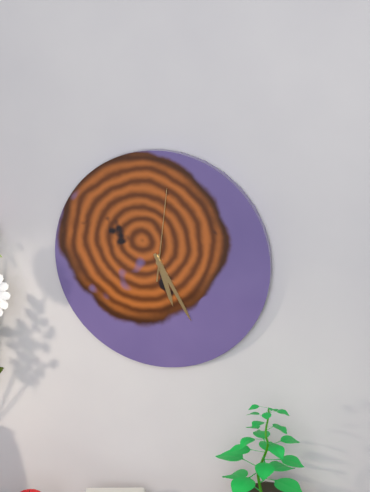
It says 5.25.01
